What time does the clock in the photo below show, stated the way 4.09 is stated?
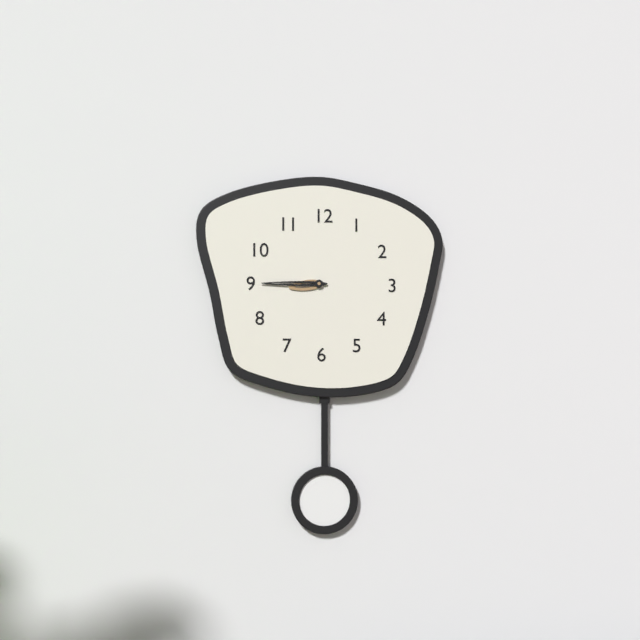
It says 8.45
